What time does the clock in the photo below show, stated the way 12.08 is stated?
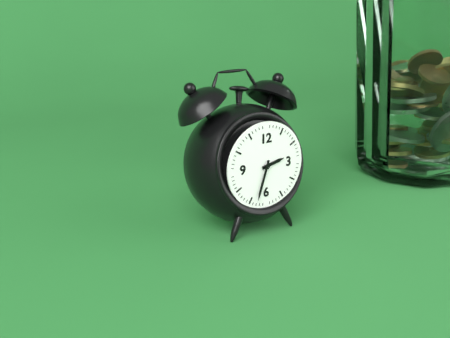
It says 2.33
